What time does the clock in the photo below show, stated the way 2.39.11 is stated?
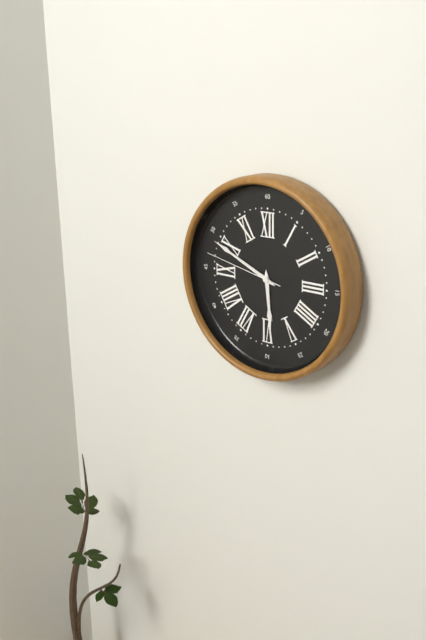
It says 5.49.47
